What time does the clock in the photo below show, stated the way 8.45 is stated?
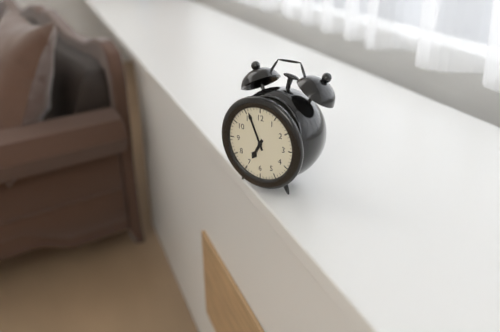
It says 6.56
